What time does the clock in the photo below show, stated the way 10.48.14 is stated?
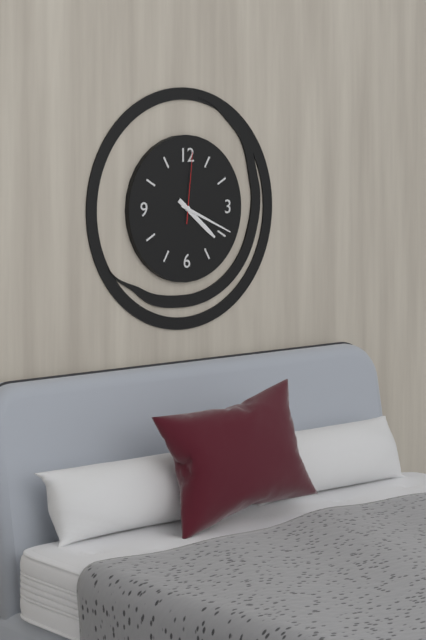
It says 4.19.01
